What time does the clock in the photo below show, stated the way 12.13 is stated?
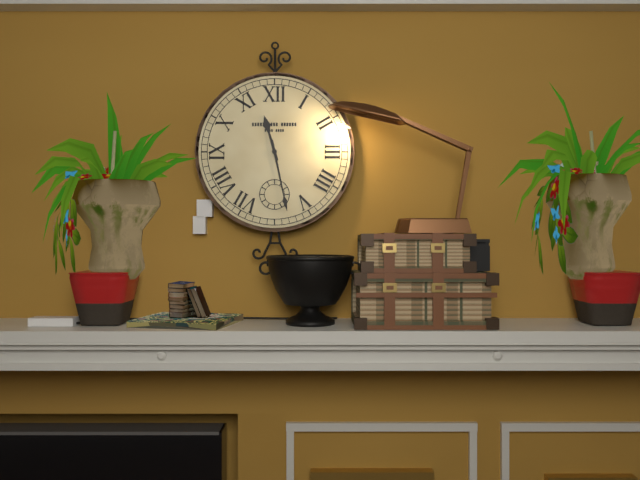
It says 11.28
